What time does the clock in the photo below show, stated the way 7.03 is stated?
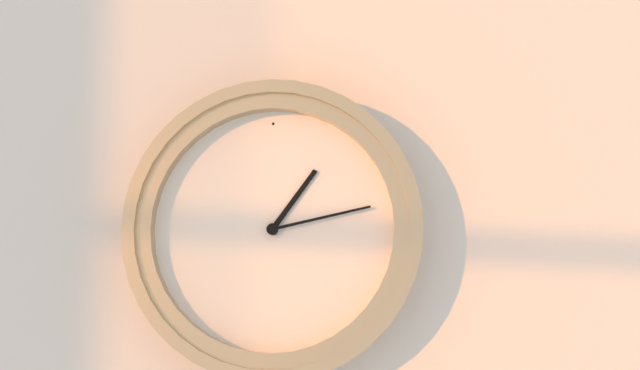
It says 1.13
